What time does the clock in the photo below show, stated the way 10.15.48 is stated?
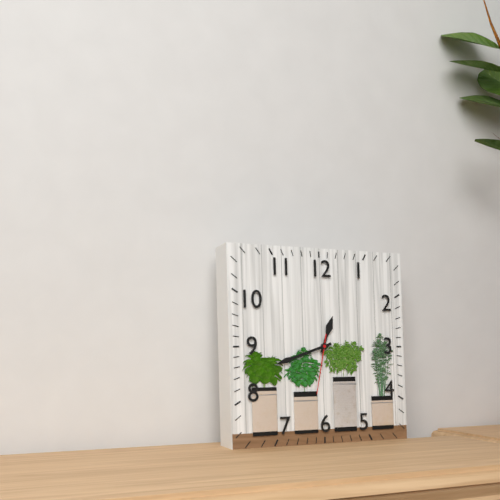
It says 12.42.32
